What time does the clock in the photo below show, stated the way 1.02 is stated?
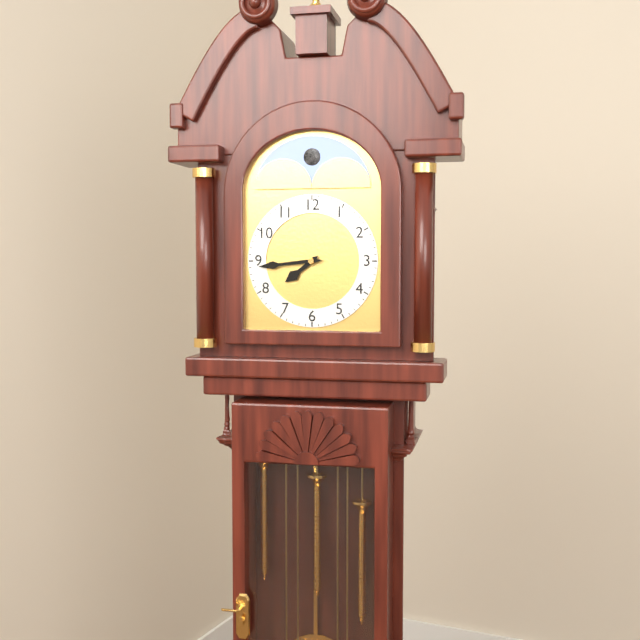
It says 7.44
